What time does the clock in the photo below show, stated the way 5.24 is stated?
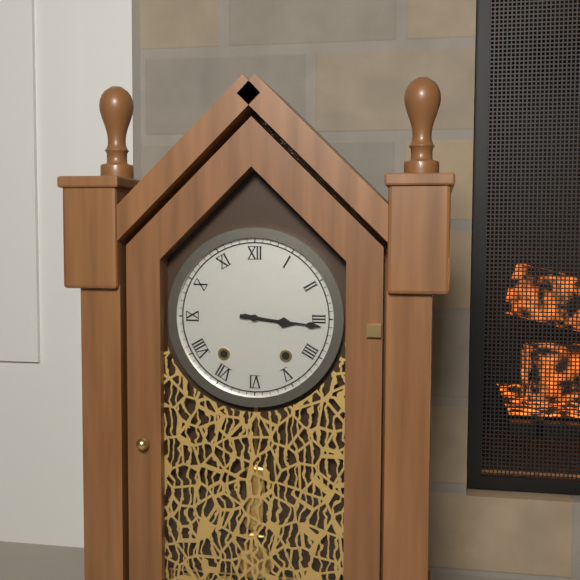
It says 3.16
